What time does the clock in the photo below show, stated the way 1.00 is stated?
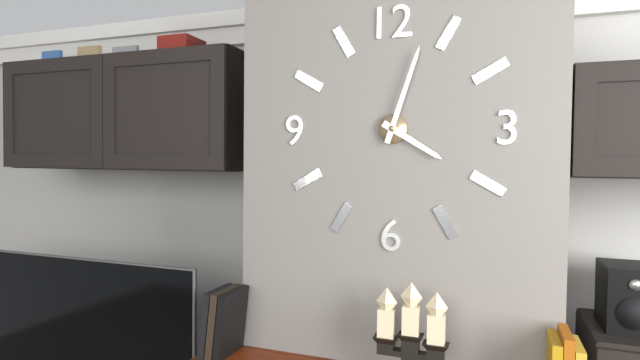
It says 4.03
